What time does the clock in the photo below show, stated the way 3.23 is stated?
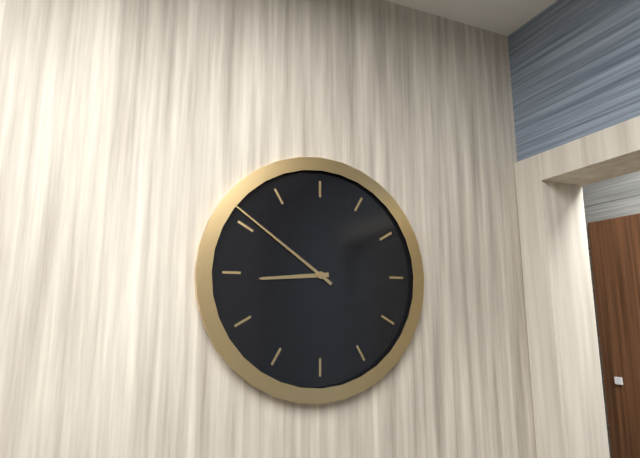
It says 8.51
